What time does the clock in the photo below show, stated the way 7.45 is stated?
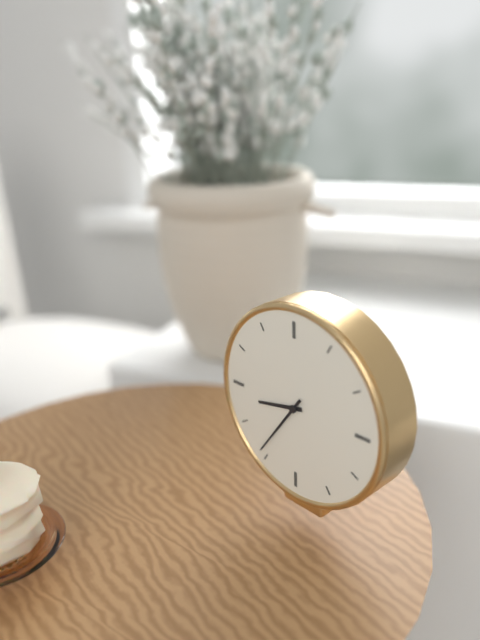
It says 8.36
